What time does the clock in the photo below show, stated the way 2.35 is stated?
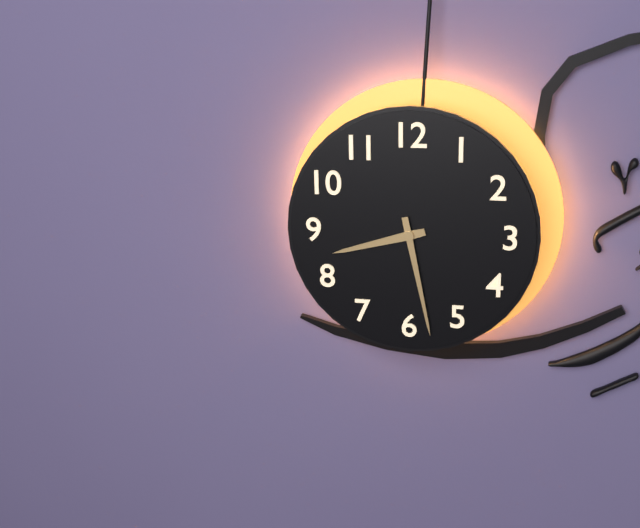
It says 8.28
